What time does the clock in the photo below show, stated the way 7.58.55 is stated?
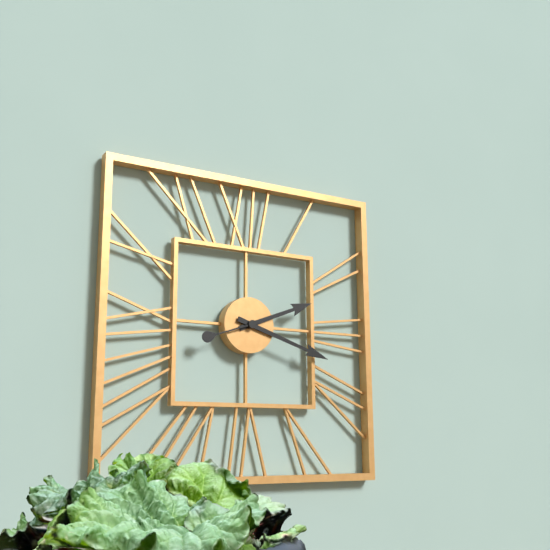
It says 2.18.42
